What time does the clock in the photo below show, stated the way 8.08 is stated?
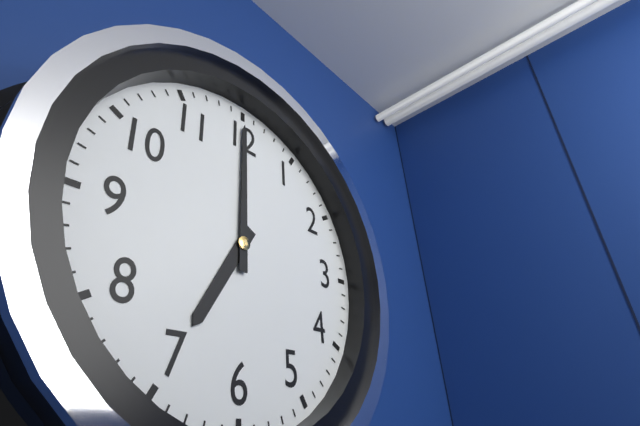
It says 7.00
